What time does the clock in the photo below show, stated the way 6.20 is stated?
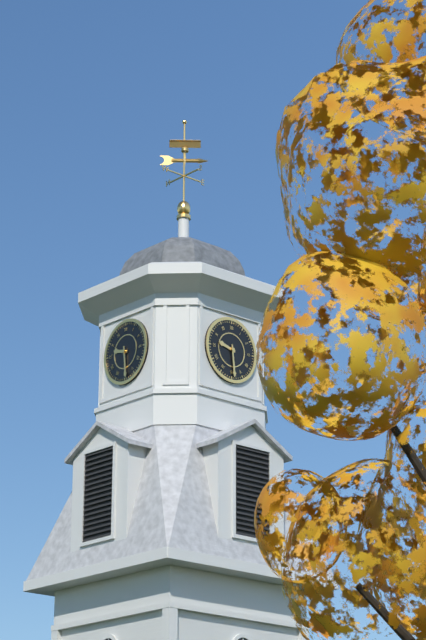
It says 9.29
